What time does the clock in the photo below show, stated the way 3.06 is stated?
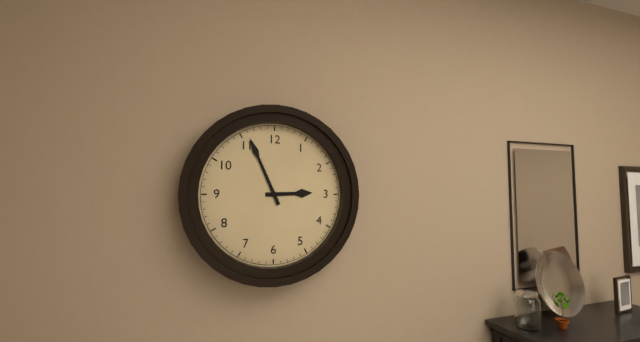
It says 2.56
